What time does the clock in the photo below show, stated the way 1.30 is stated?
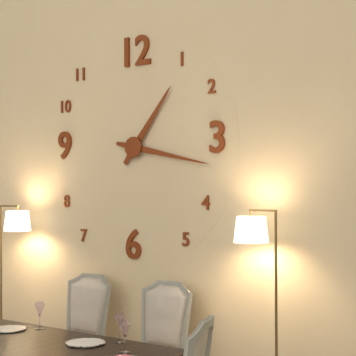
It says 1.17
